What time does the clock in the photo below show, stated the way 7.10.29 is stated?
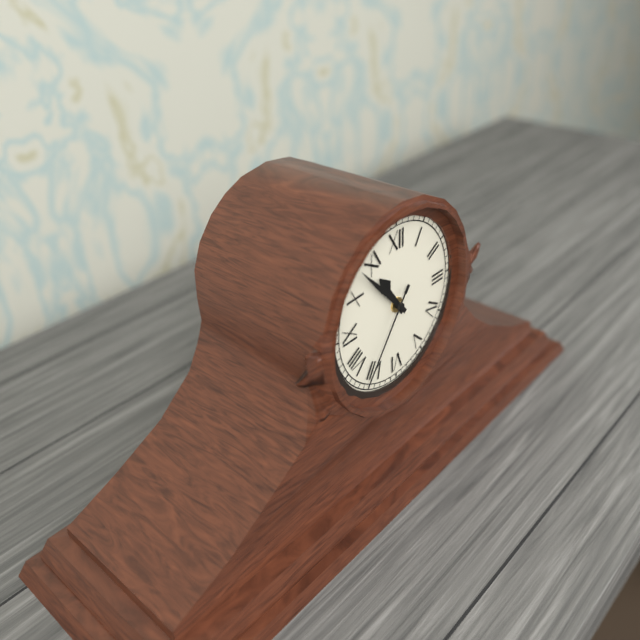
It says 10.53.36
